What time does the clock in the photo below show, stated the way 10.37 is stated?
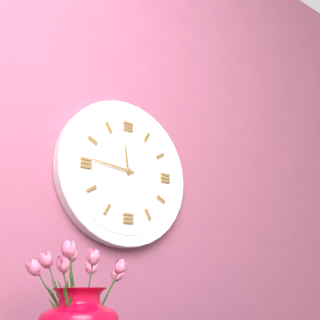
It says 11.46
